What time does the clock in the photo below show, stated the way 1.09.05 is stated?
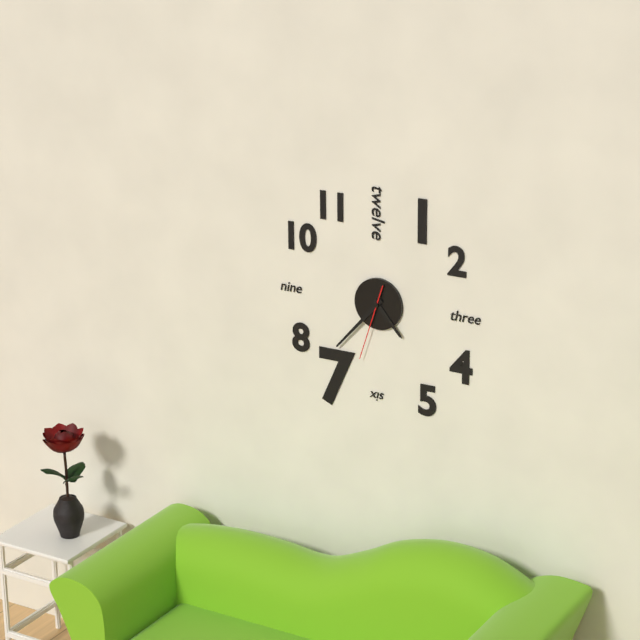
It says 4.37.33
